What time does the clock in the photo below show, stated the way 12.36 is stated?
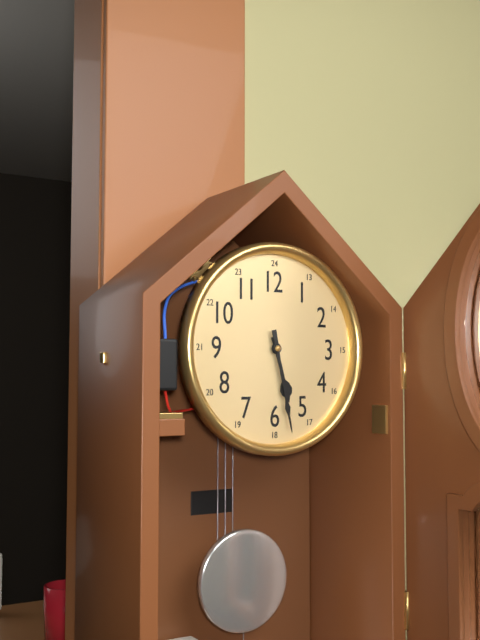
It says 5.28
